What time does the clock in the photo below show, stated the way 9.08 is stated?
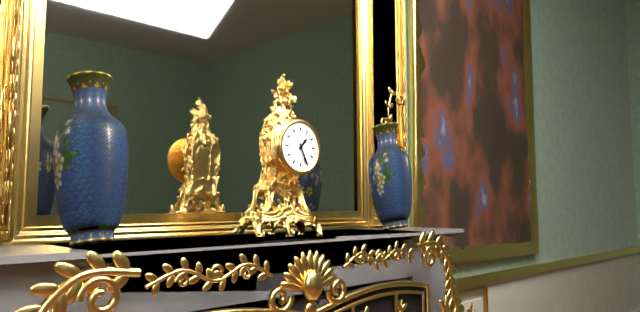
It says 1.26
